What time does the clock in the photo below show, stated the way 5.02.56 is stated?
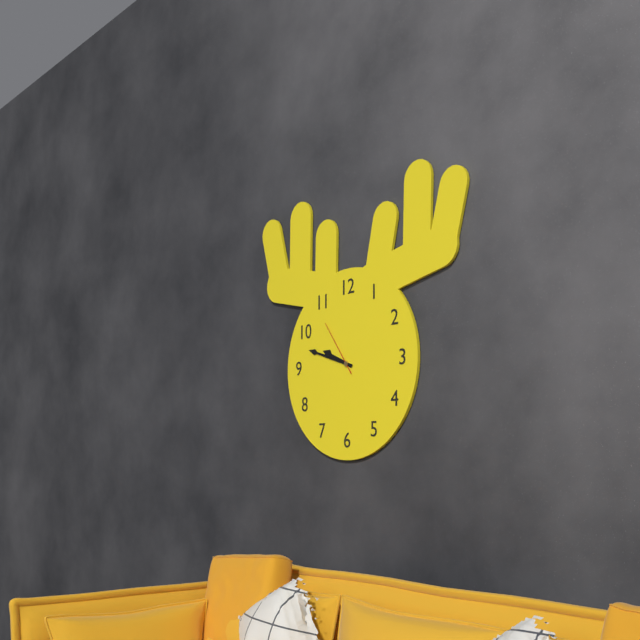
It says 9.48.54
